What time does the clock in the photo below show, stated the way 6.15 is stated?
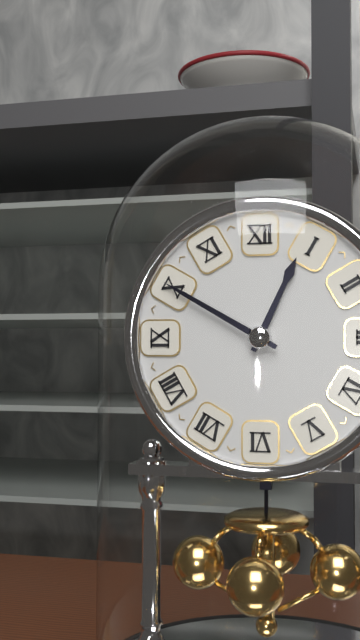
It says 12.50
